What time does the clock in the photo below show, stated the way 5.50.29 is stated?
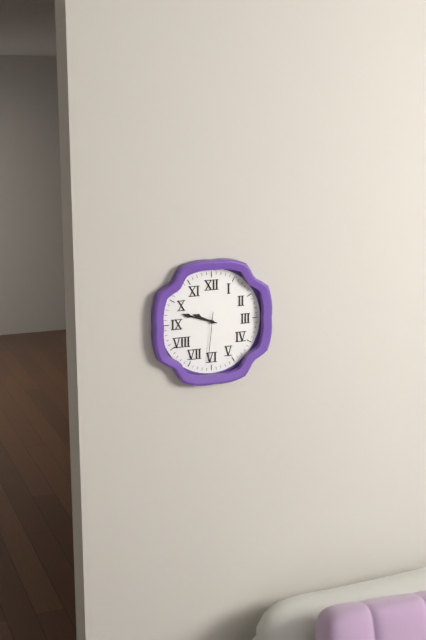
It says 9.48.31
